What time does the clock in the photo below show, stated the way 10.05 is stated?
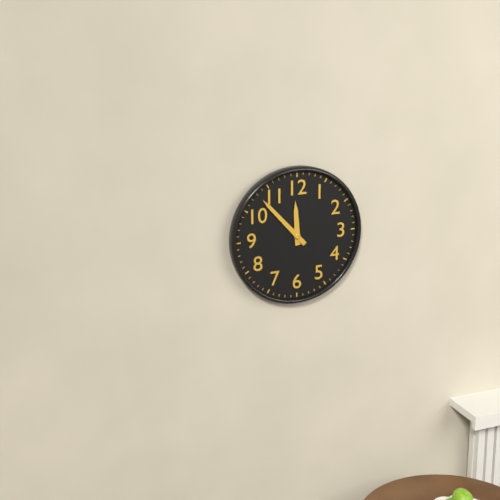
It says 11.53
